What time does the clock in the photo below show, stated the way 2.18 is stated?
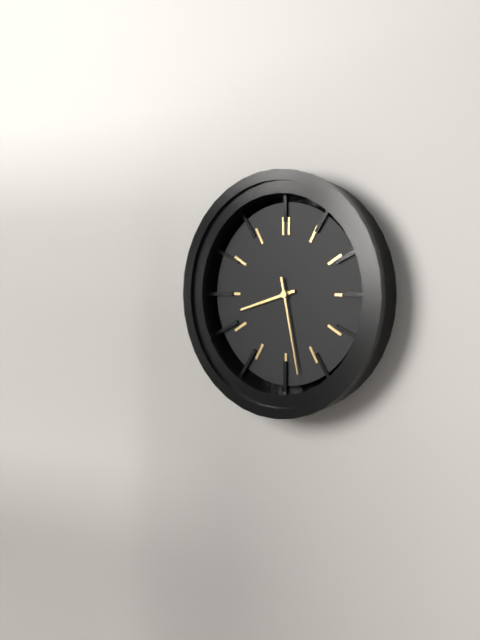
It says 8.28
